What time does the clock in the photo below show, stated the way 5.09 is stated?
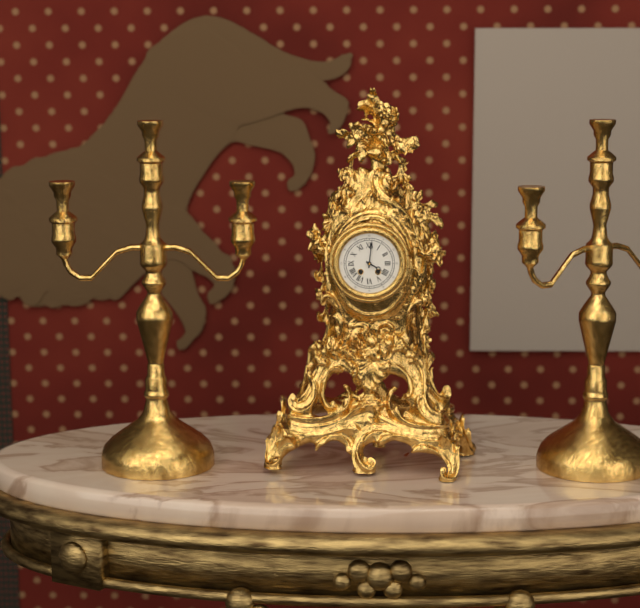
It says 4.01
